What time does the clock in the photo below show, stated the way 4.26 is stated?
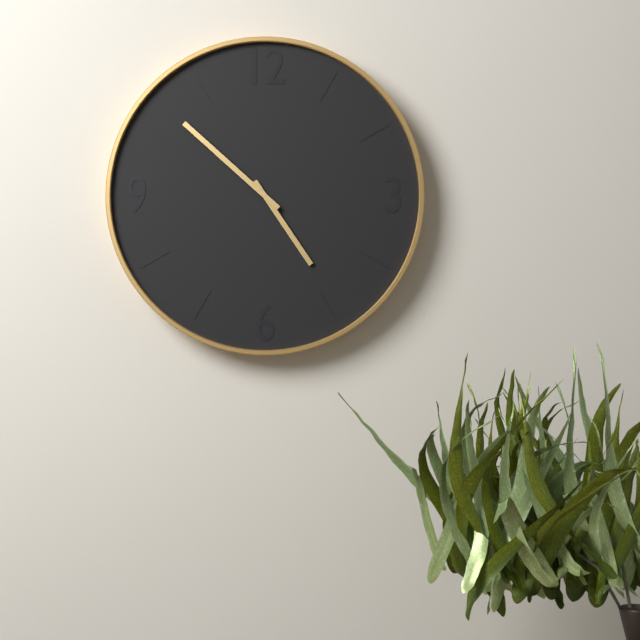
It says 4.52
